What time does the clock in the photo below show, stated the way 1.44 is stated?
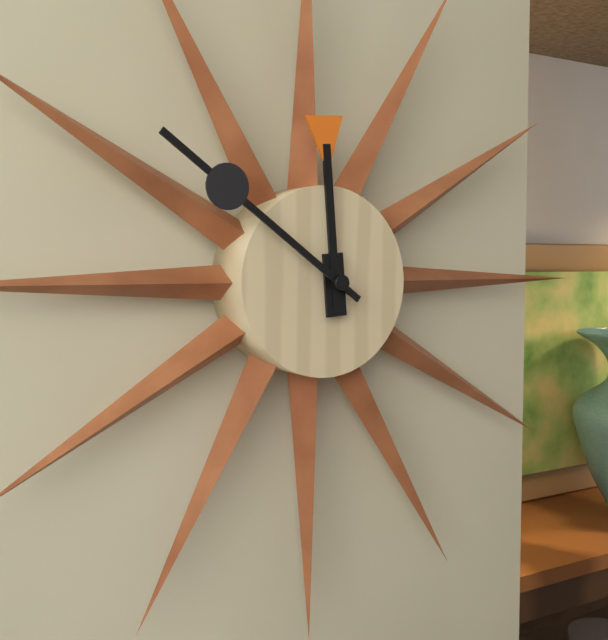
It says 11.51
